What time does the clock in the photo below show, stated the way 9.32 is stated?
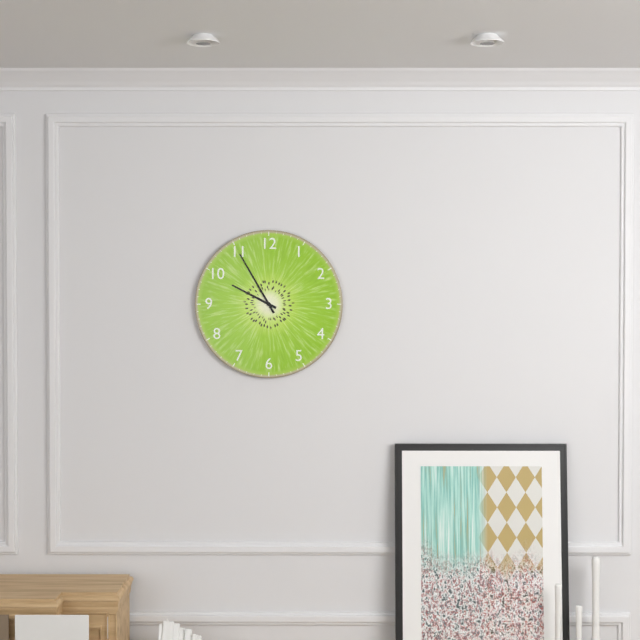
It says 9.55
